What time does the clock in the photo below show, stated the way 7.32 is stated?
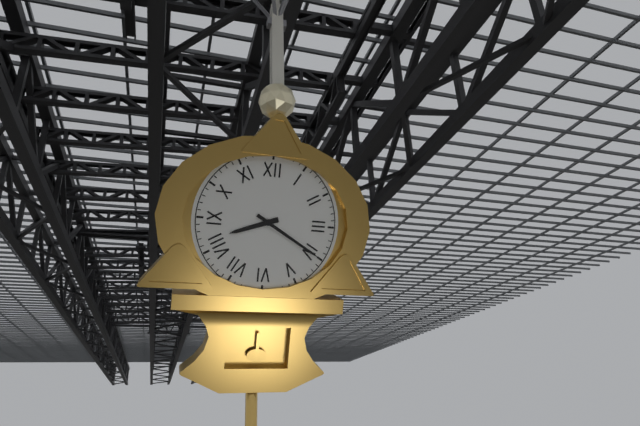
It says 8.20
